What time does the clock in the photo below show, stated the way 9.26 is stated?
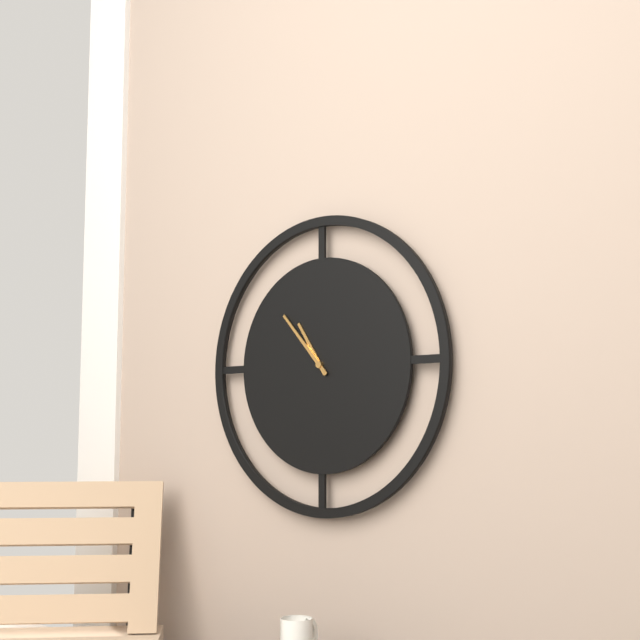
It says 10.53
